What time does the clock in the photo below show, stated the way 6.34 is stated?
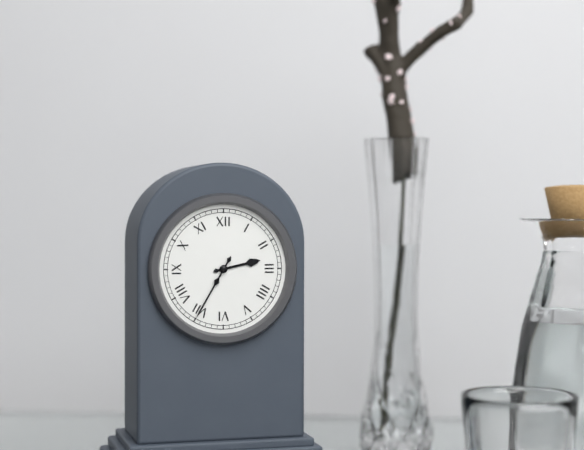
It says 2.35
